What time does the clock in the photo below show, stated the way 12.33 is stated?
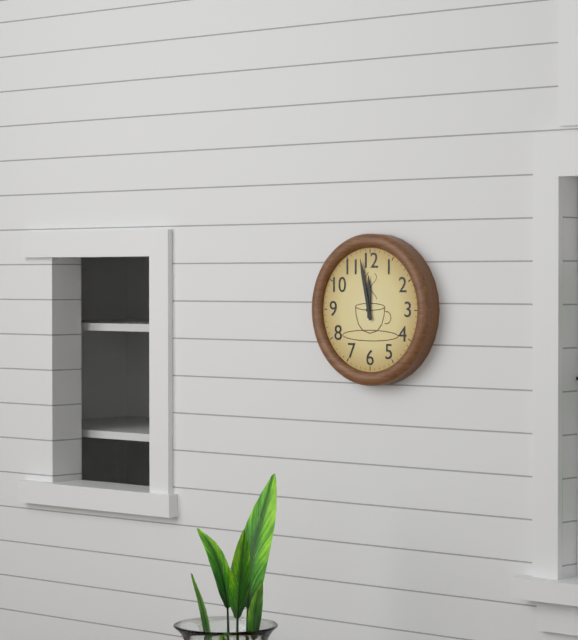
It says 11.58
